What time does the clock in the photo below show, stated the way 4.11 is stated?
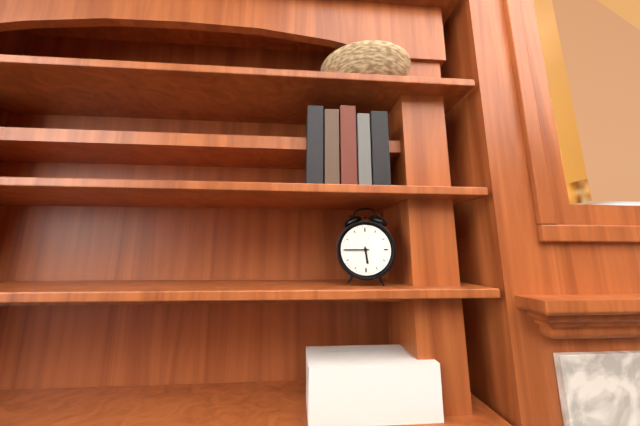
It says 5.45
